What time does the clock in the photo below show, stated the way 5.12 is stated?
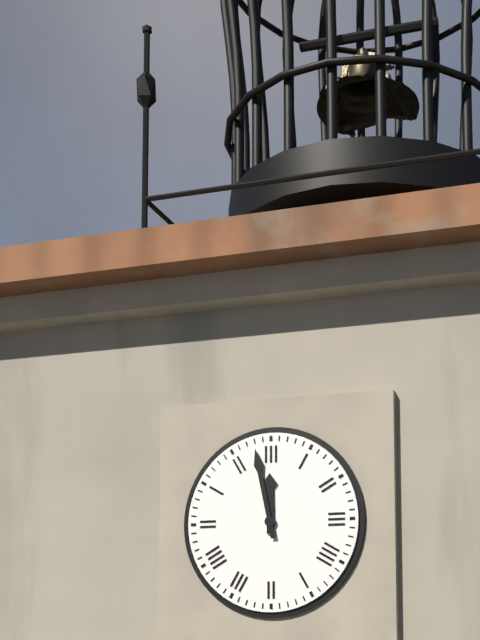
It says 11.58
